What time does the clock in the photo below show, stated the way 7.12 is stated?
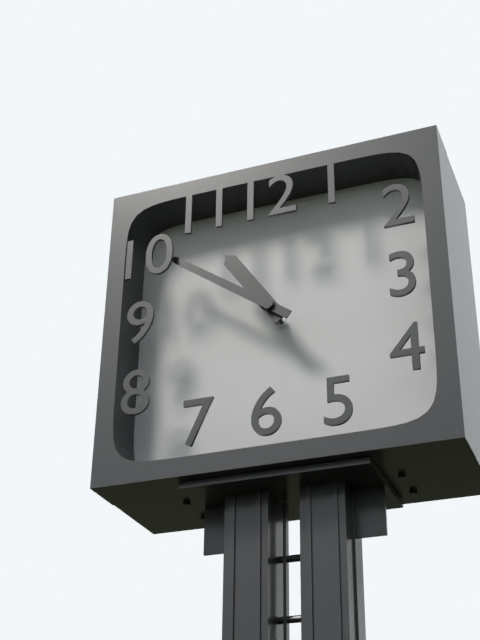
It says 10.51
